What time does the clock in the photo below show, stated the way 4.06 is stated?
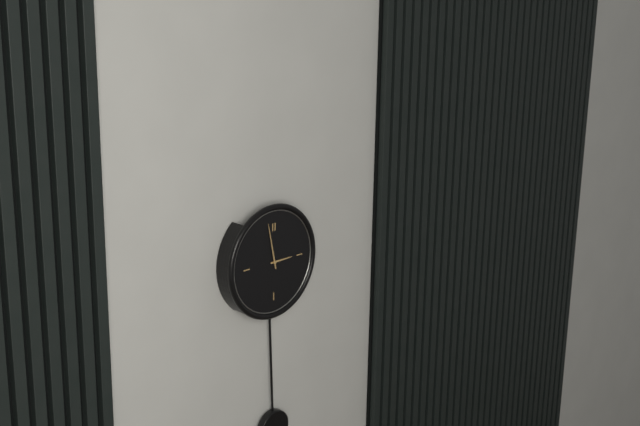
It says 2.58
